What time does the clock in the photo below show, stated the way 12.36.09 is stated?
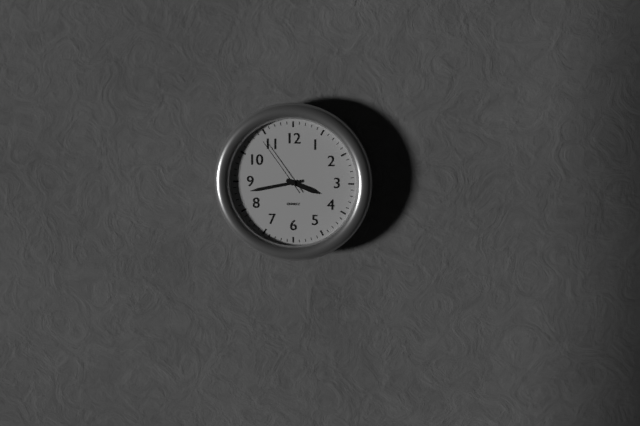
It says 3.43.54
